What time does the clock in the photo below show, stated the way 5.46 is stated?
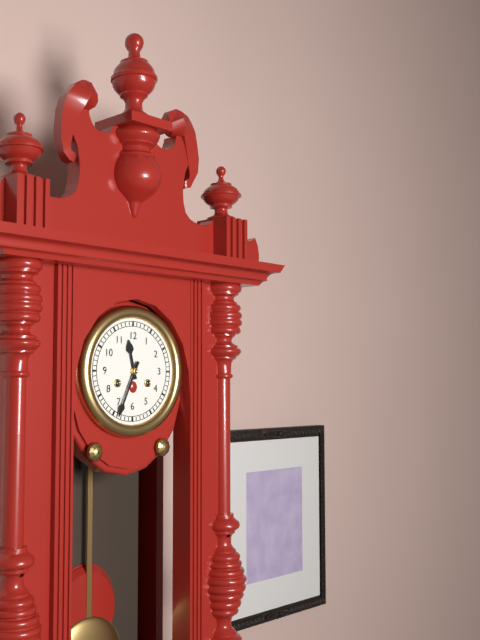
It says 11.34
